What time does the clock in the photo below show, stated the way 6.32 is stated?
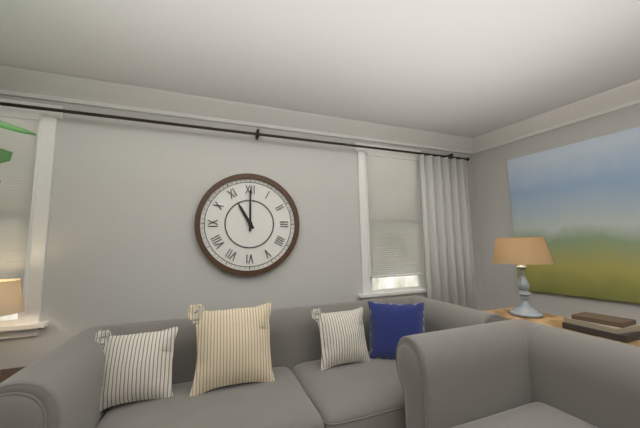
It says 11.00
